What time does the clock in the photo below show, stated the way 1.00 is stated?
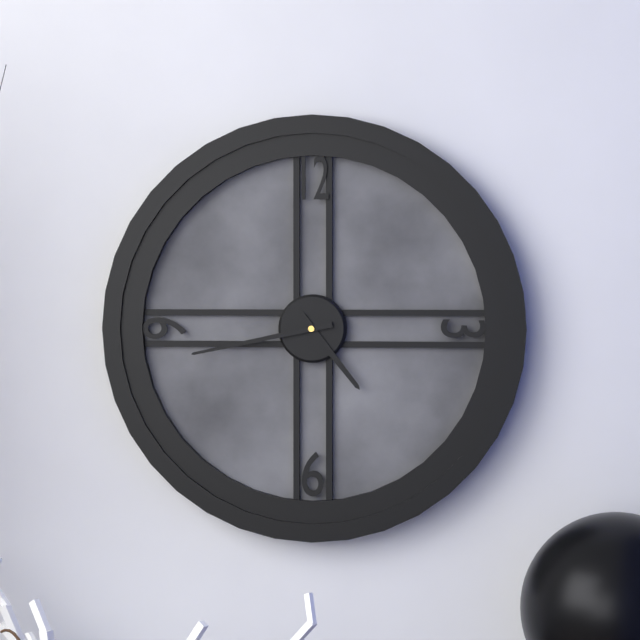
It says 4.43
